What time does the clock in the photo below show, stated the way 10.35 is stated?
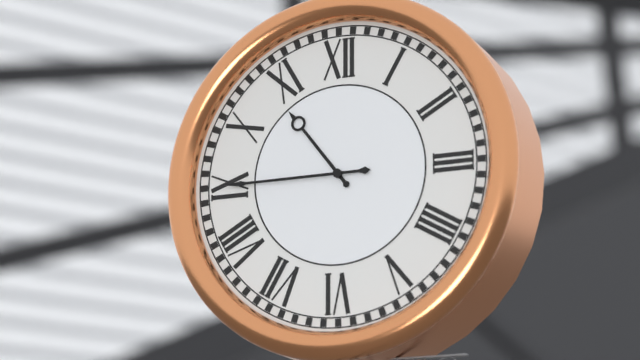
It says 10.45
